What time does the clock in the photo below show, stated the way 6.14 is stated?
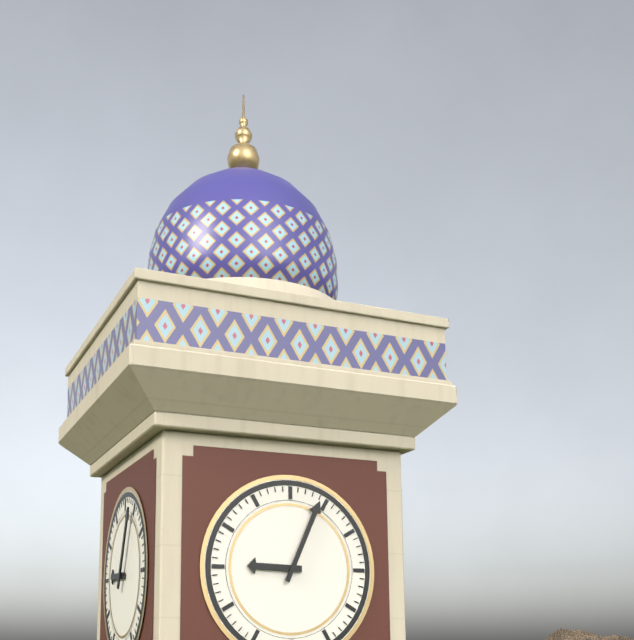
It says 9.04
